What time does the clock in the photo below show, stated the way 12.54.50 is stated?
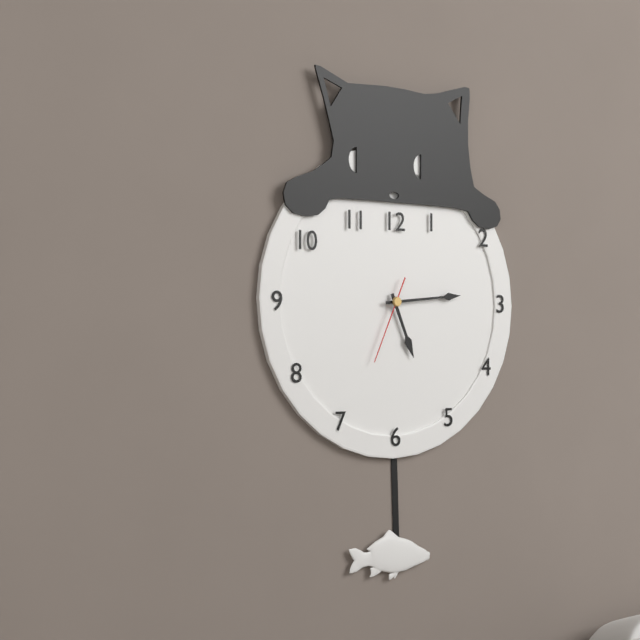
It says 5.14.34
